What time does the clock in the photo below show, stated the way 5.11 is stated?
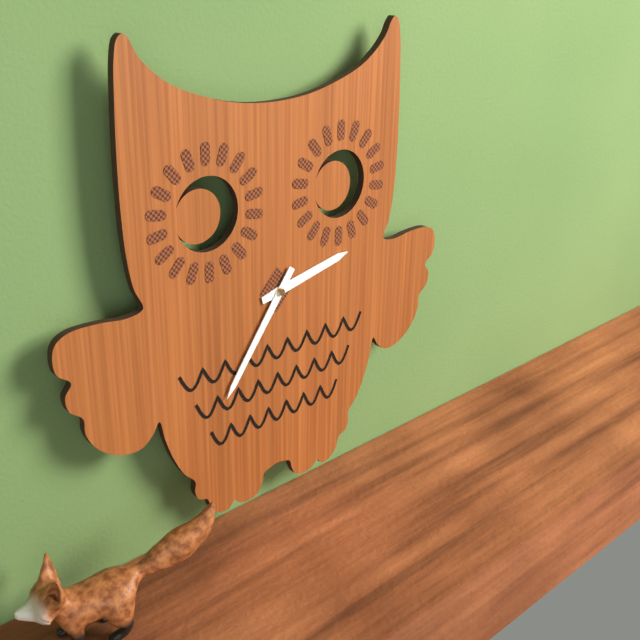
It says 2.36
